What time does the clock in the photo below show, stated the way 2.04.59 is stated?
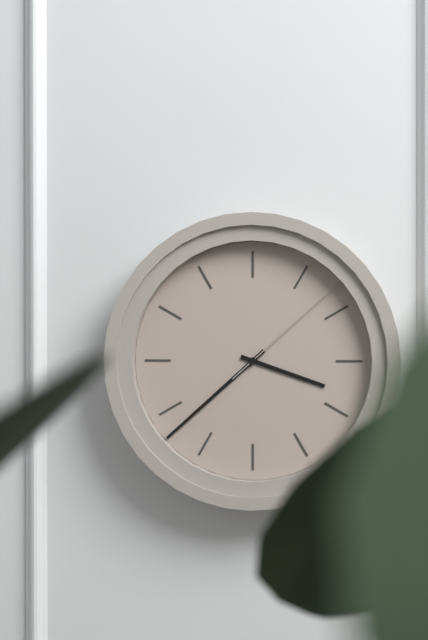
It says 3.38.08
